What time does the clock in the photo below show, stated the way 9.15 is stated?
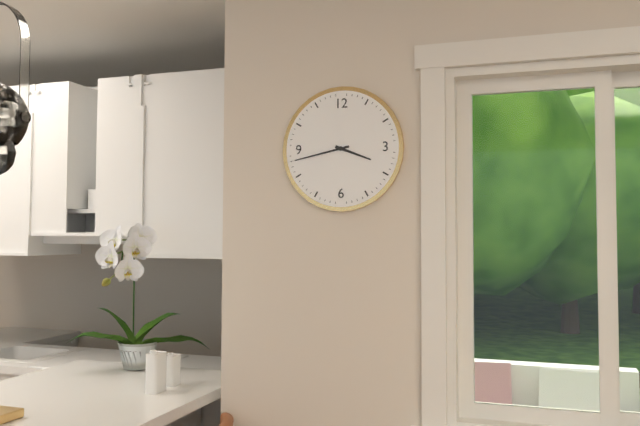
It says 3.43
